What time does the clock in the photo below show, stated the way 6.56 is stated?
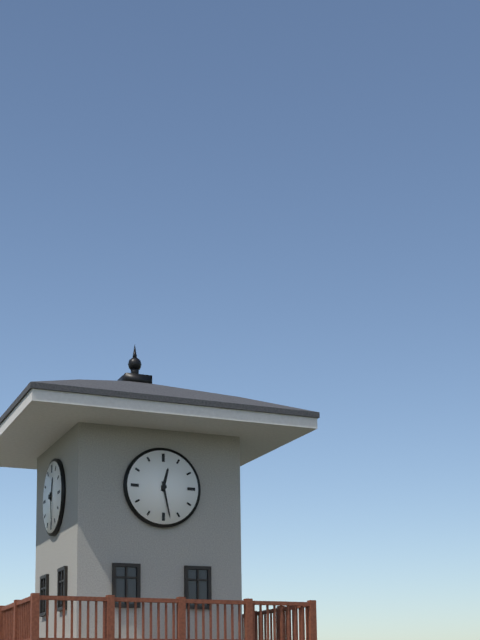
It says 12.28
